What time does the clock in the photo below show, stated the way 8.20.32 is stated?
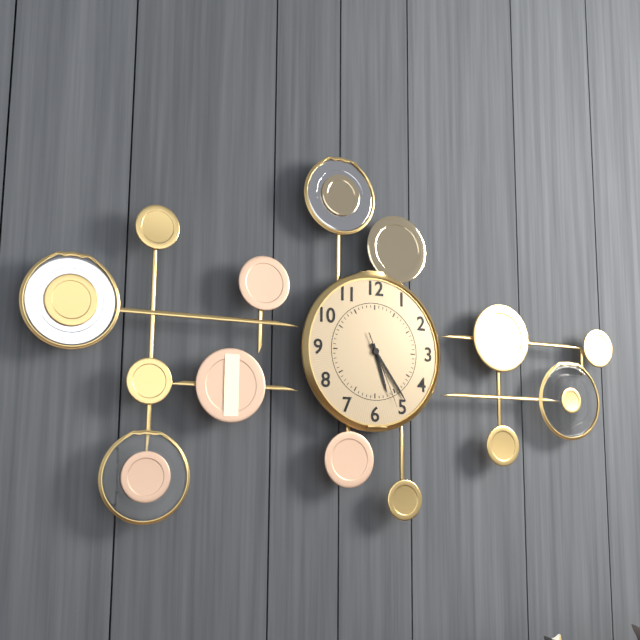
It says 5.24.26
